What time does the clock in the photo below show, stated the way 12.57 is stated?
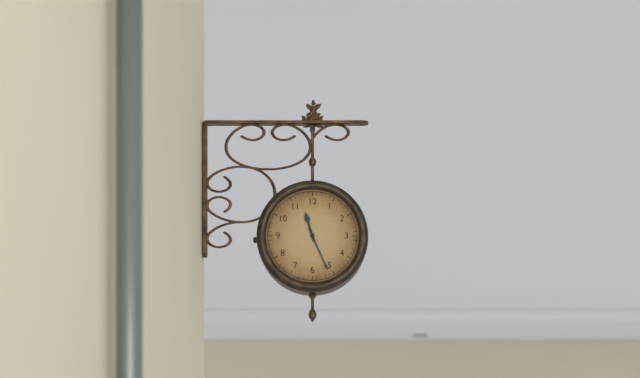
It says 11.26
